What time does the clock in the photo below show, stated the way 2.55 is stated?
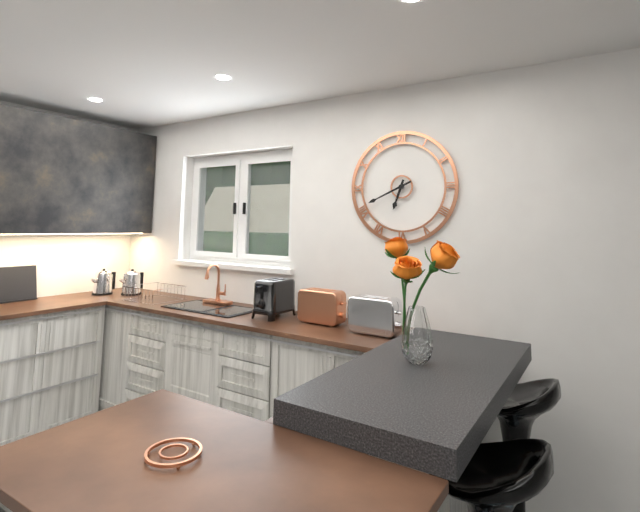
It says 6.41
